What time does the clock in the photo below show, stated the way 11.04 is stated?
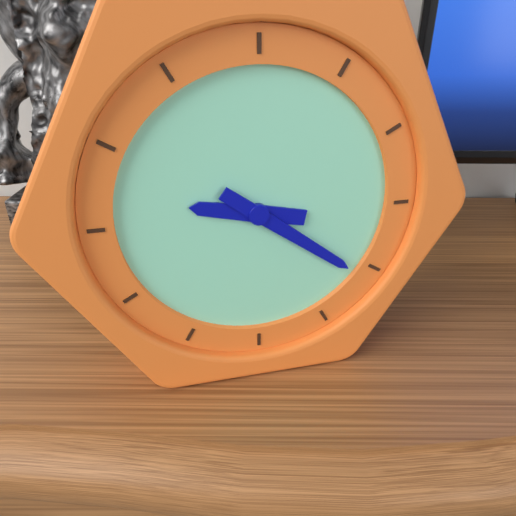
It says 9.21
